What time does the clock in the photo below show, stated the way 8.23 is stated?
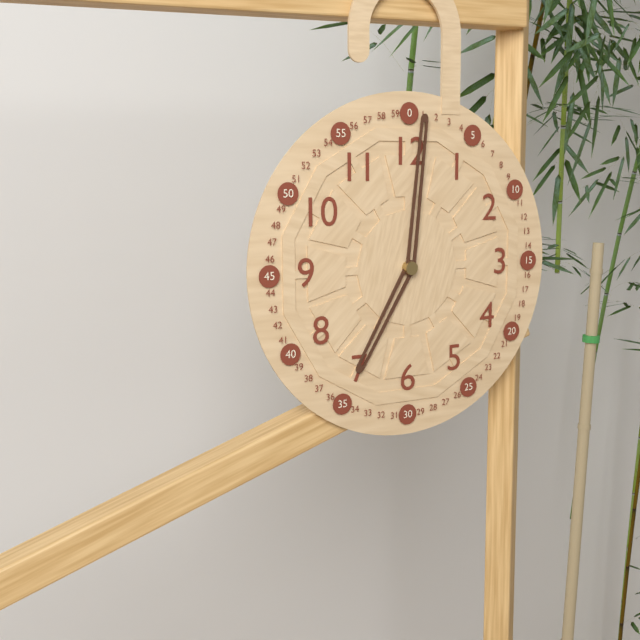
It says 7.01
